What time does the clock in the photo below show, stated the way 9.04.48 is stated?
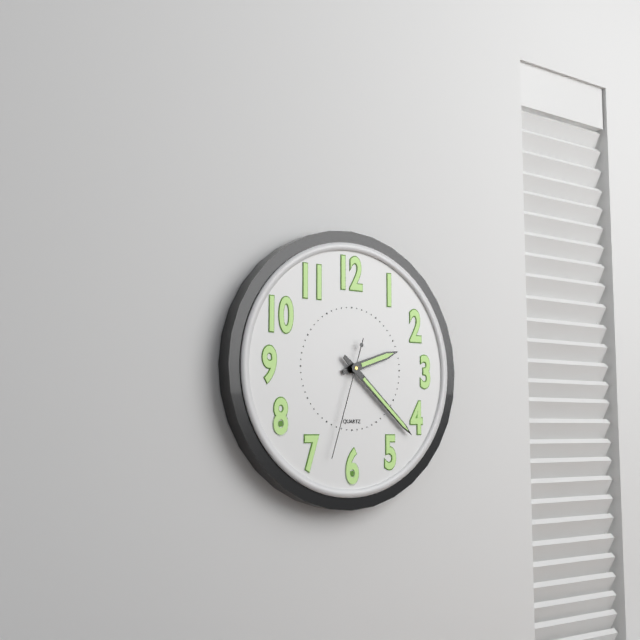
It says 2.22.33
